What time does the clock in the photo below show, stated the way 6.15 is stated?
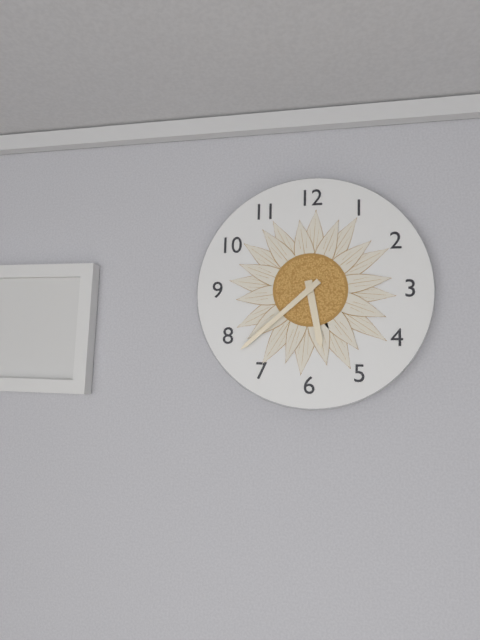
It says 5.38
